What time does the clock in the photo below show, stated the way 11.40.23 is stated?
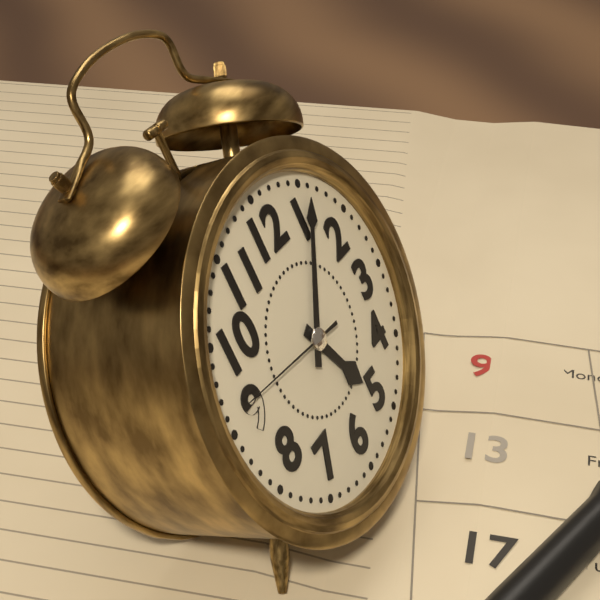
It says 5.06.46
